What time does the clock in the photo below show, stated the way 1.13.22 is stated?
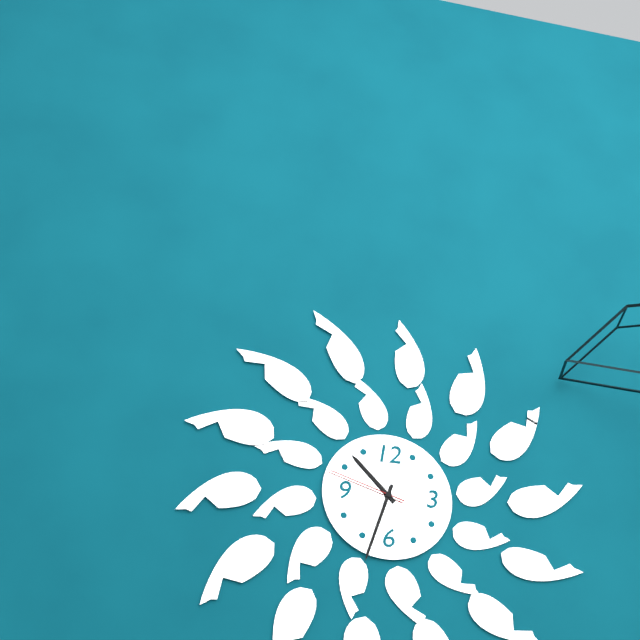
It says 10.33.48
